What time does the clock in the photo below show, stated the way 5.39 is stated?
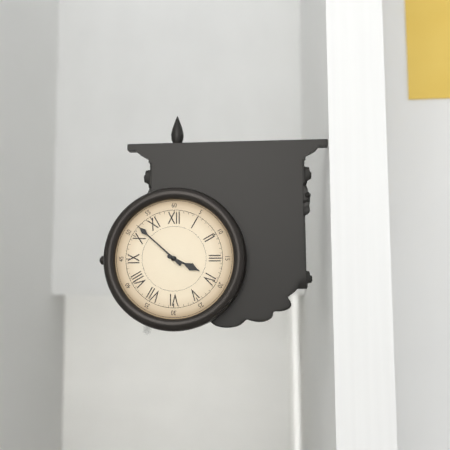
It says 3.52
